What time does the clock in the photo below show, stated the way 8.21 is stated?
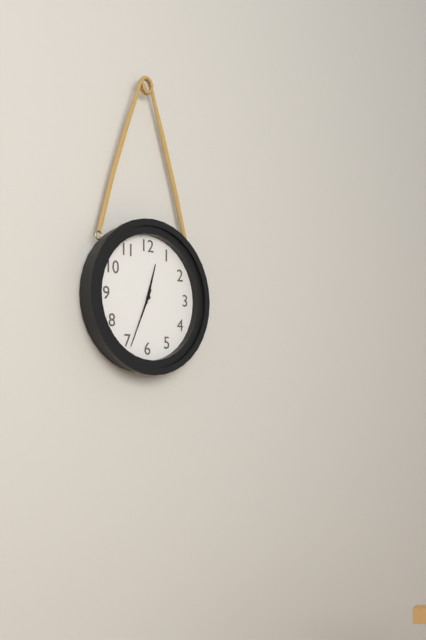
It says 12.34
